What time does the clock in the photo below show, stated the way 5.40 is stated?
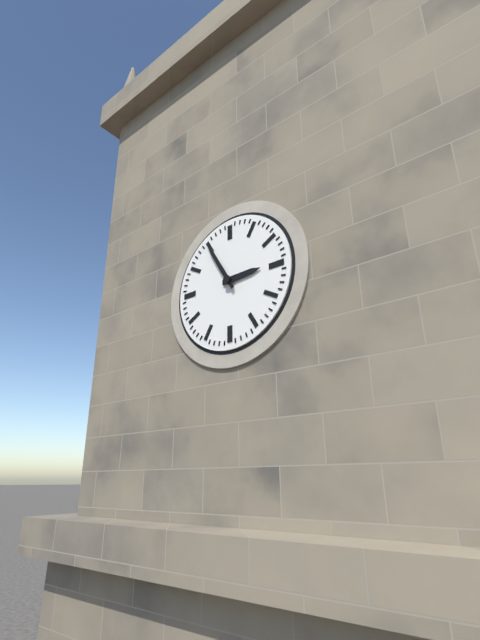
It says 2.55
